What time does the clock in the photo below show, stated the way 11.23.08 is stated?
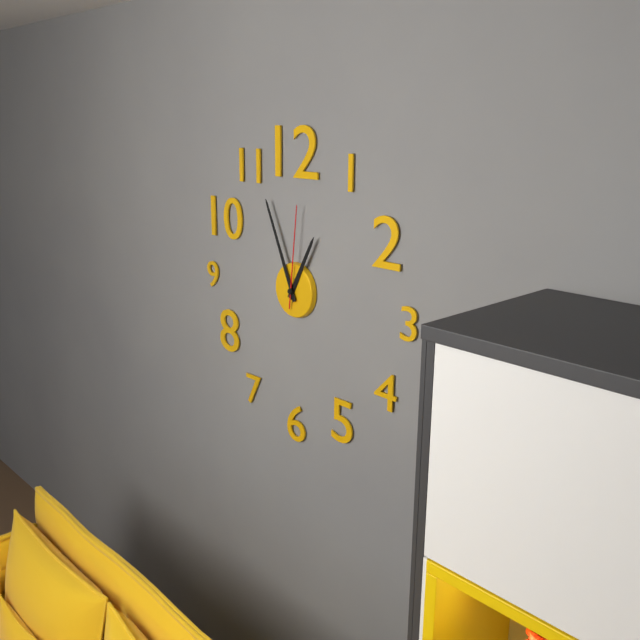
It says 12.56.01
